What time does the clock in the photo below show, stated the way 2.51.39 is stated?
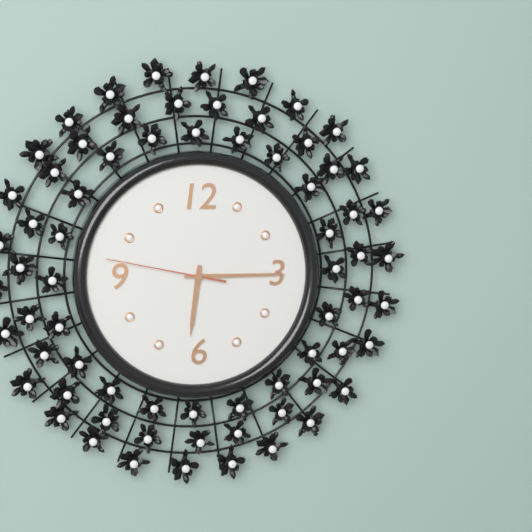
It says 6.15.47
